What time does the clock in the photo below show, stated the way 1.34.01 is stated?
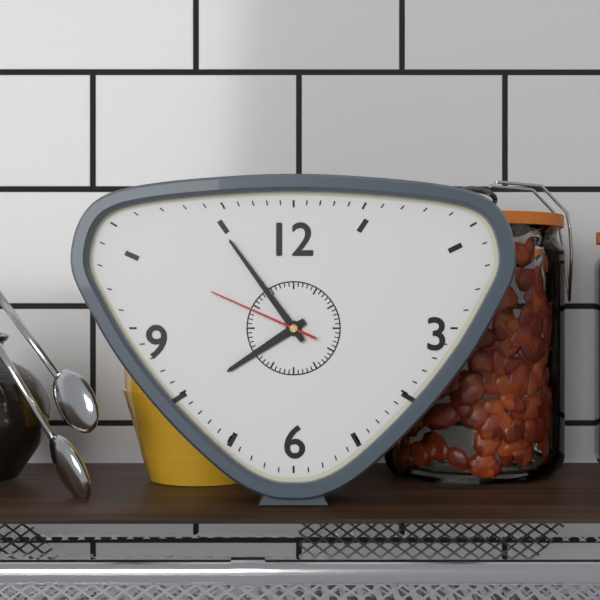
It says 7.54.49
